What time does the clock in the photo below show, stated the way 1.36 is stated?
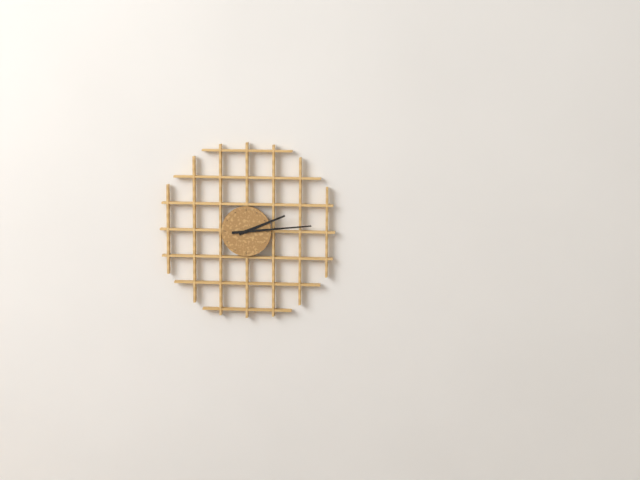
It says 2.14
